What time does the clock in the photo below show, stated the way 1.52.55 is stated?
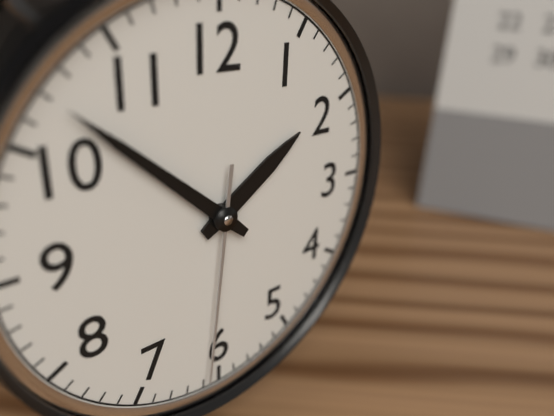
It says 1.52.31
